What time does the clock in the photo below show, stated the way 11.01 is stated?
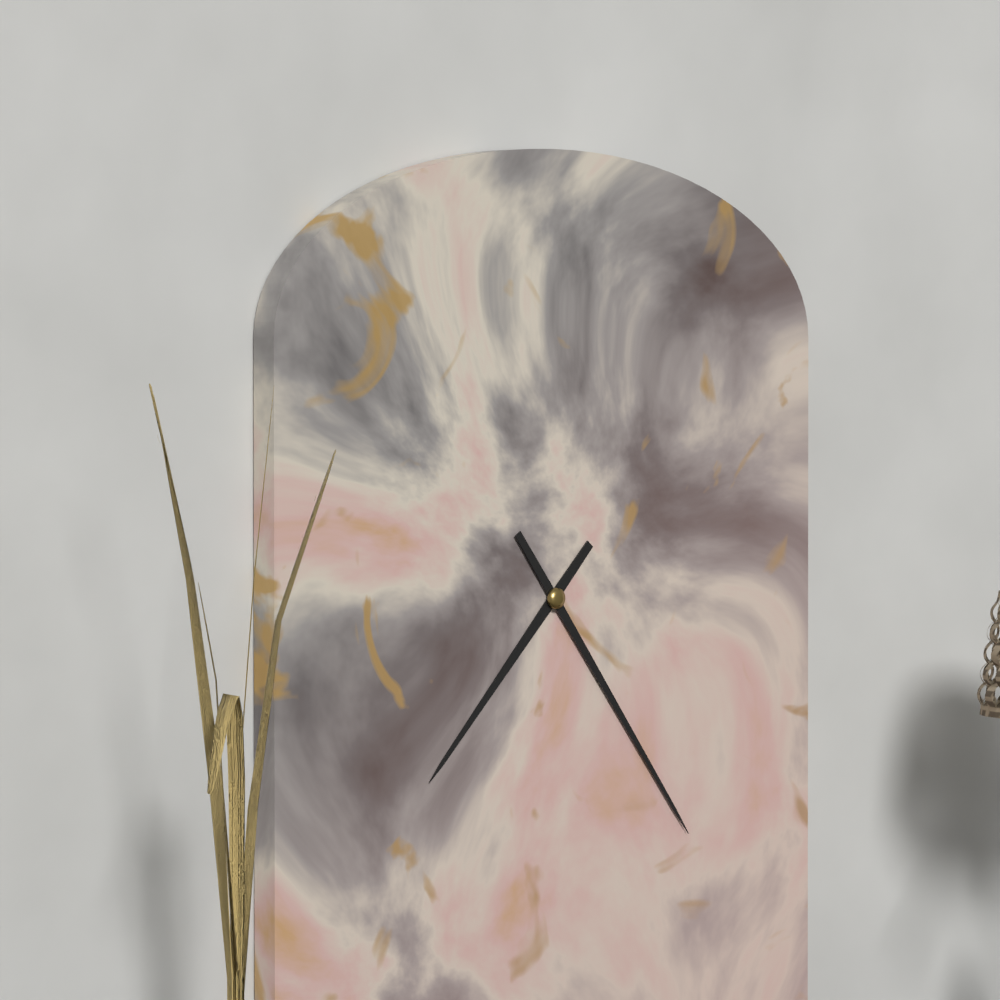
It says 7.24
